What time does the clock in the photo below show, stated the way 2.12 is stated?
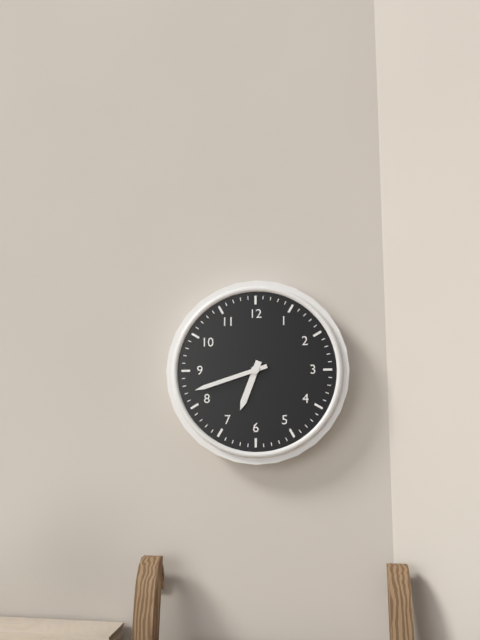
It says 6.42
